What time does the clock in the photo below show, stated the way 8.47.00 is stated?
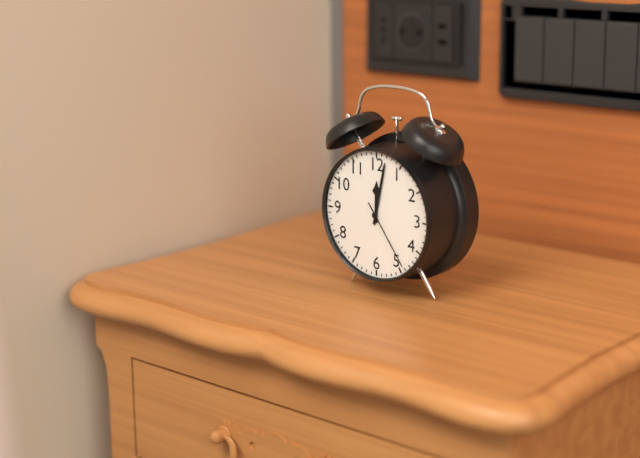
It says 12.02.24
